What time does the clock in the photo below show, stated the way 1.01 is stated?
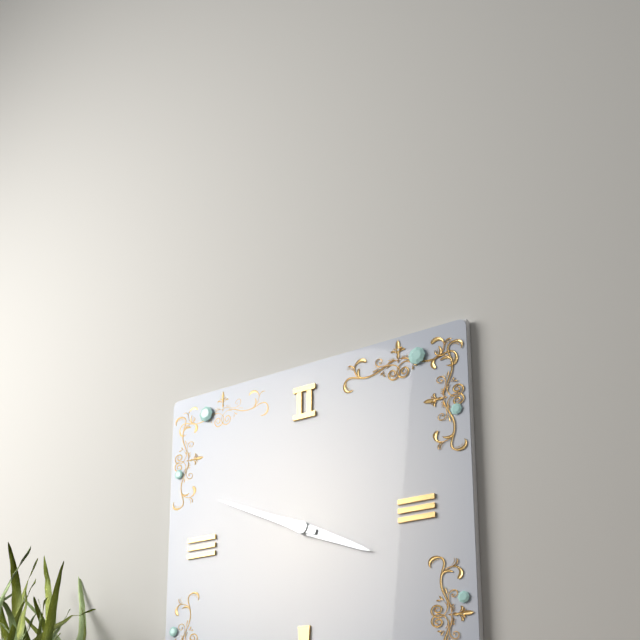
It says 3.49
